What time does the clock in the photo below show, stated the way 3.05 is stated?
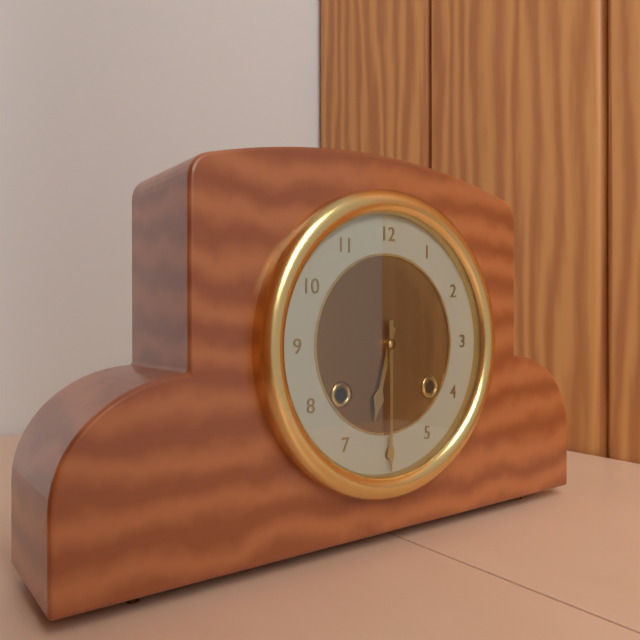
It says 6.30
